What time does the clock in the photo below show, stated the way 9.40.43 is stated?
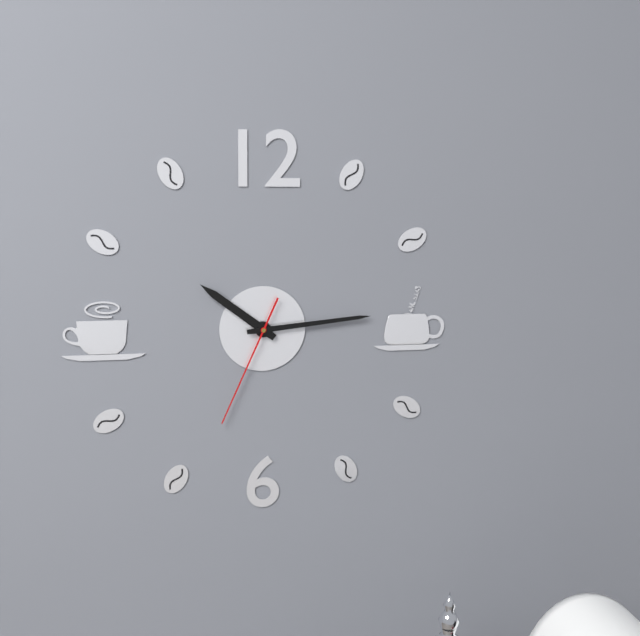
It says 10.14.34
